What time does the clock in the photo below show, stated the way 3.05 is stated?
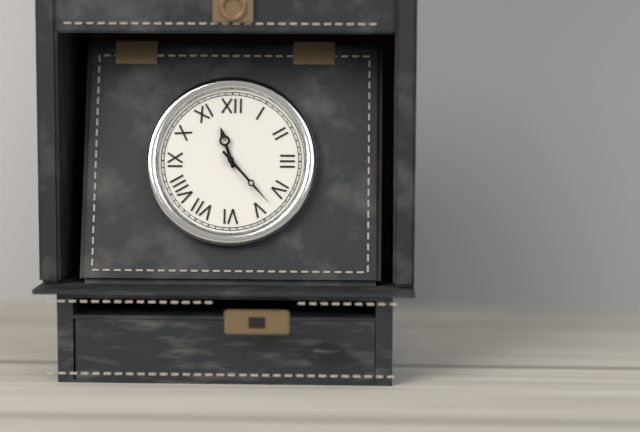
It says 11.23
